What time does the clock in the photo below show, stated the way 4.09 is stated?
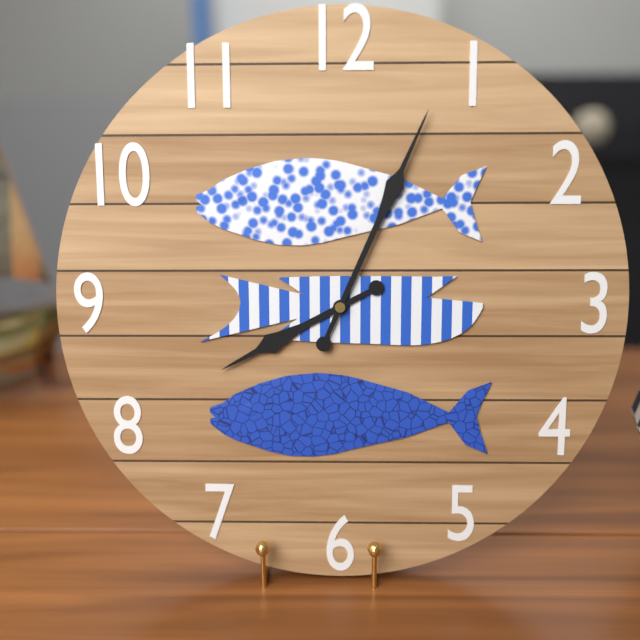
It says 8.04
